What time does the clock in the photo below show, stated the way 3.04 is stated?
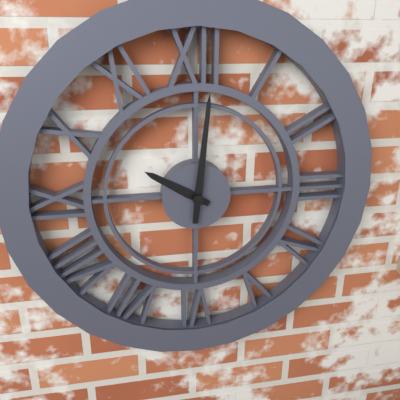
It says 10.01
